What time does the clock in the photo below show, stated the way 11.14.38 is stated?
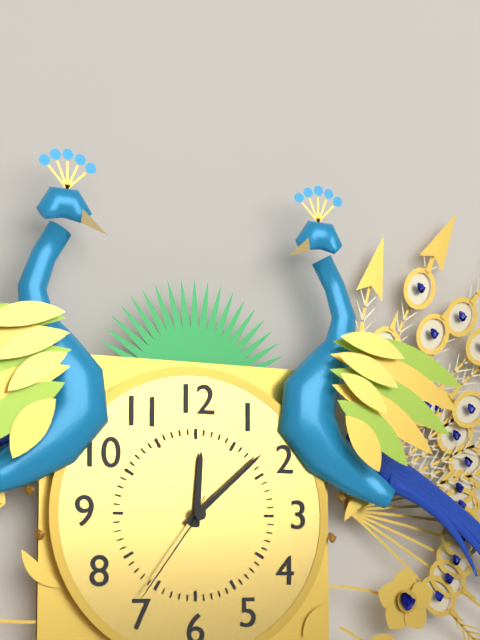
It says 12.08.36
